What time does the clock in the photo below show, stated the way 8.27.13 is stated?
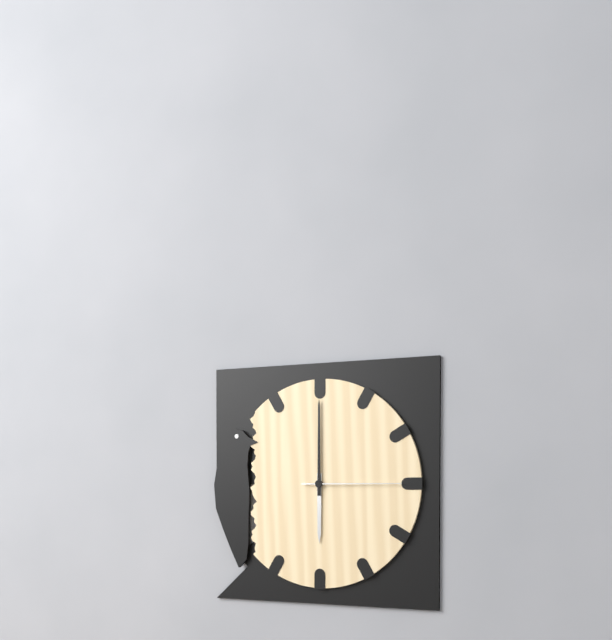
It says 6.00.15
